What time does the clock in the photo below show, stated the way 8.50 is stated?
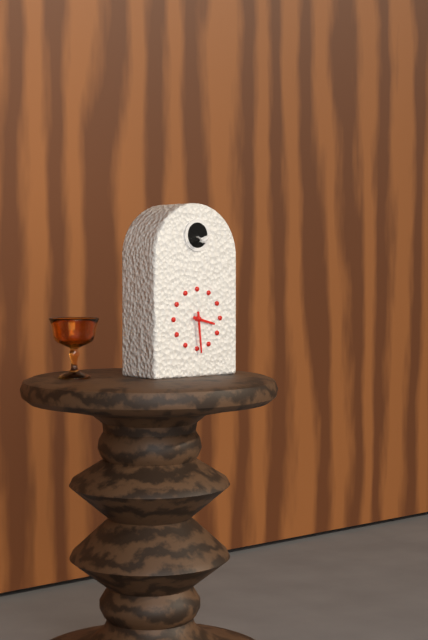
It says 3.29
